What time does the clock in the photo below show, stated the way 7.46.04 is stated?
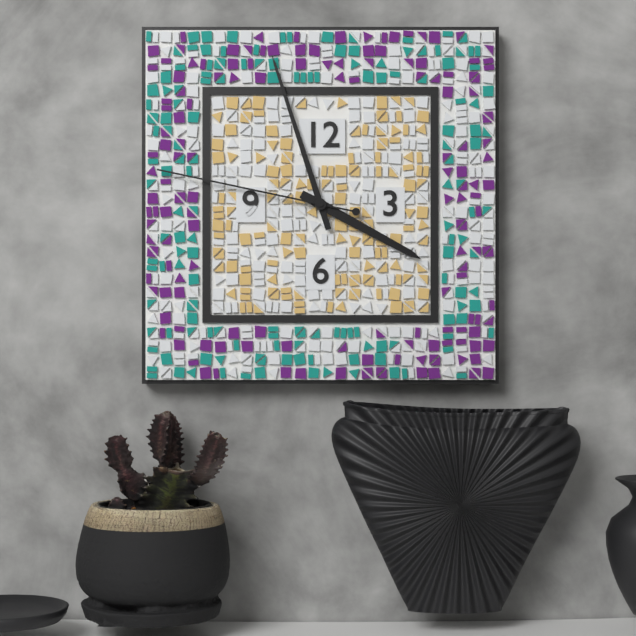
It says 3.57.47
